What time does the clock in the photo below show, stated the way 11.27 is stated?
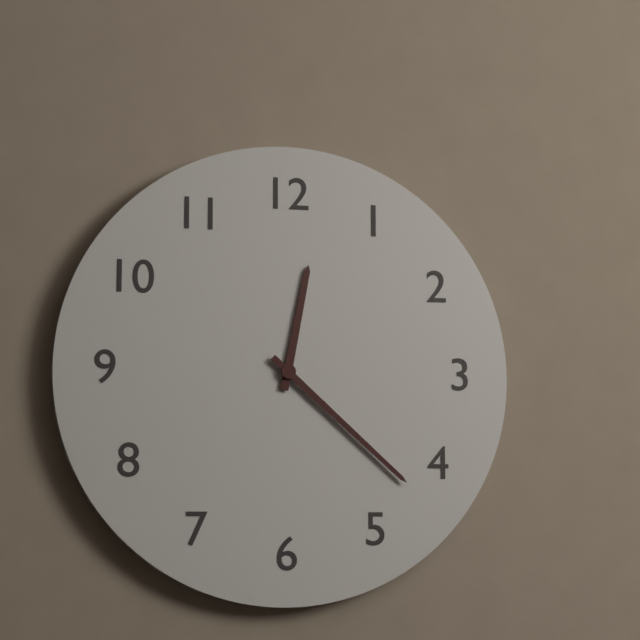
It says 12.22
